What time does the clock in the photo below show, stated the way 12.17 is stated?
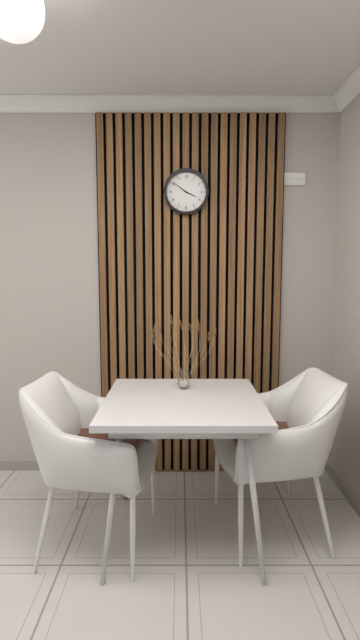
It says 3.51
